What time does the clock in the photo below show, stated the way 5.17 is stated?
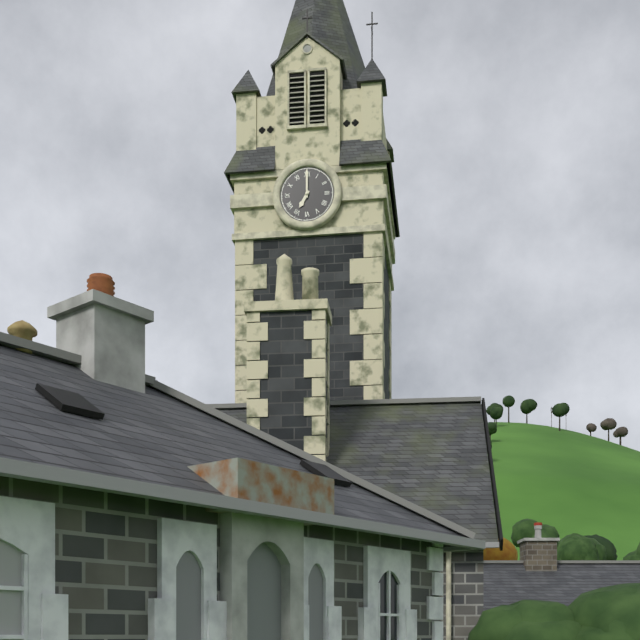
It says 7.00
